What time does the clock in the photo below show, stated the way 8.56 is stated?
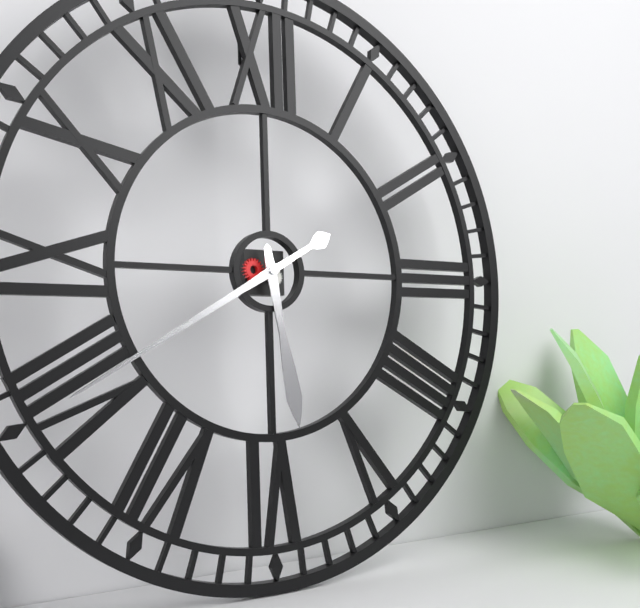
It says 5.40
